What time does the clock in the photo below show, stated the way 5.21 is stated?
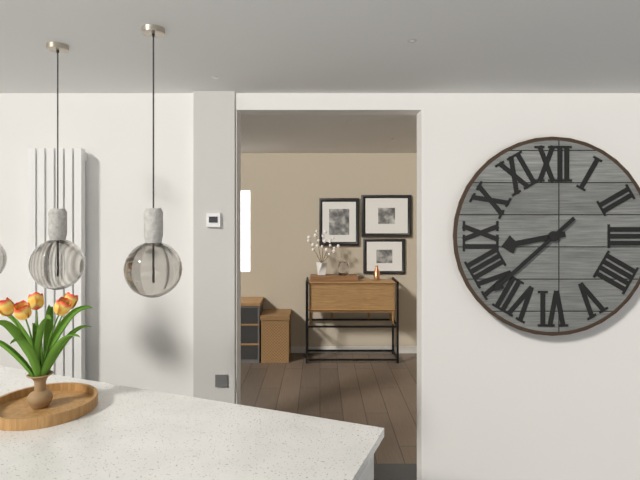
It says 8.38
